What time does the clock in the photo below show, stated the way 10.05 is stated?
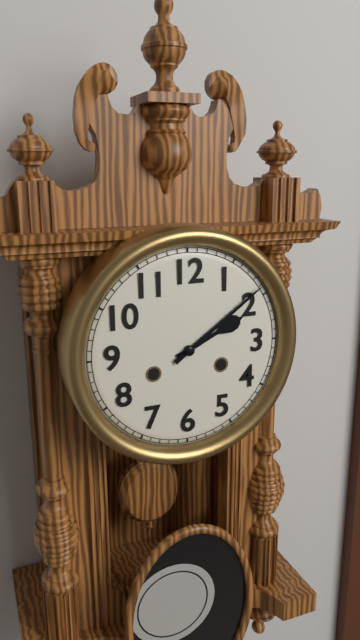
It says 2.09
